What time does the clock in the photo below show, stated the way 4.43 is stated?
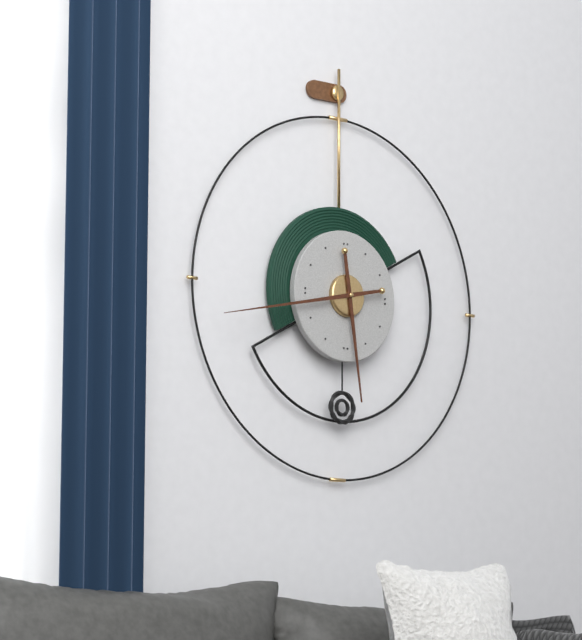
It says 5.43
